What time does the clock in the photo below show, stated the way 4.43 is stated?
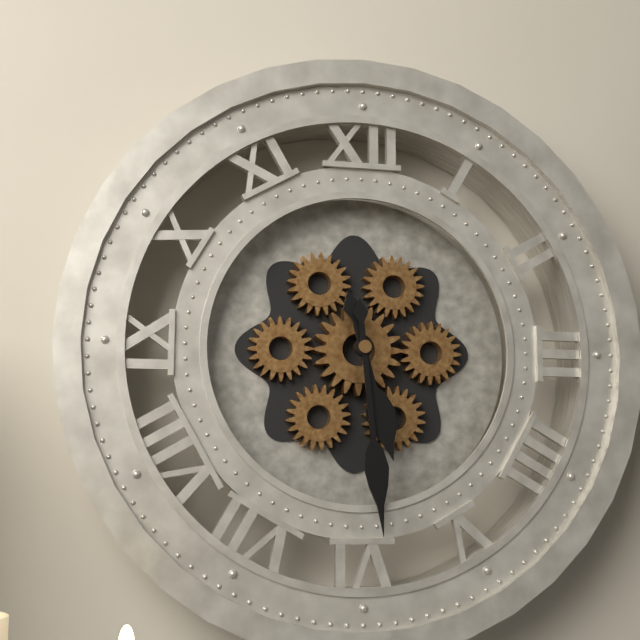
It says 5.29
